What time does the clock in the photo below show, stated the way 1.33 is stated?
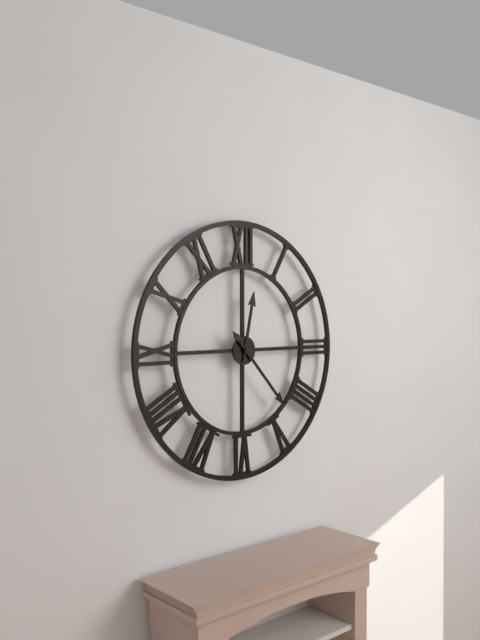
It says 12.23
